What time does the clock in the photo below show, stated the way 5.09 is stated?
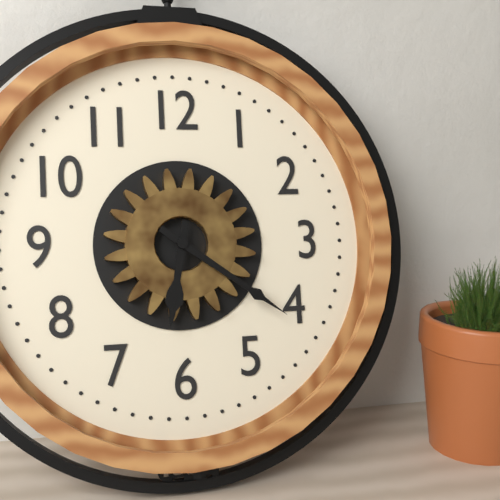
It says 6.21
